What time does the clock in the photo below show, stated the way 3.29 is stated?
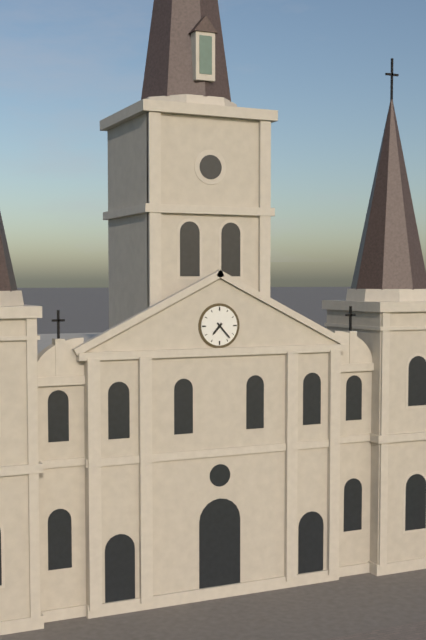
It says 7.23
